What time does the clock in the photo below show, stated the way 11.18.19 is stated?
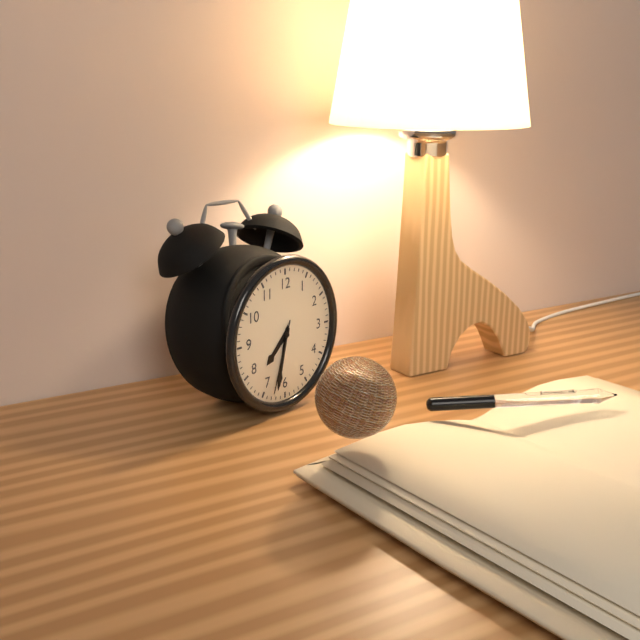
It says 7.32.33
